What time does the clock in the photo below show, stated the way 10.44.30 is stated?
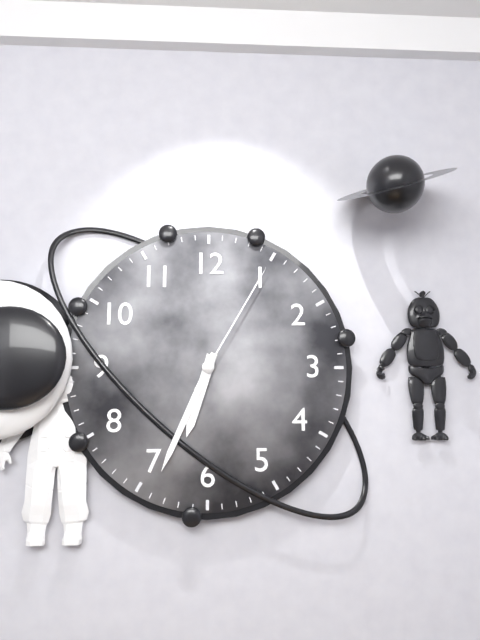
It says 6.34.05
